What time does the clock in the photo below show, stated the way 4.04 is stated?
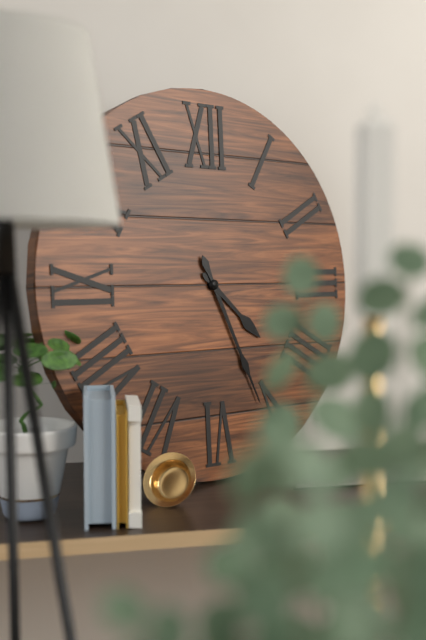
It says 4.26
